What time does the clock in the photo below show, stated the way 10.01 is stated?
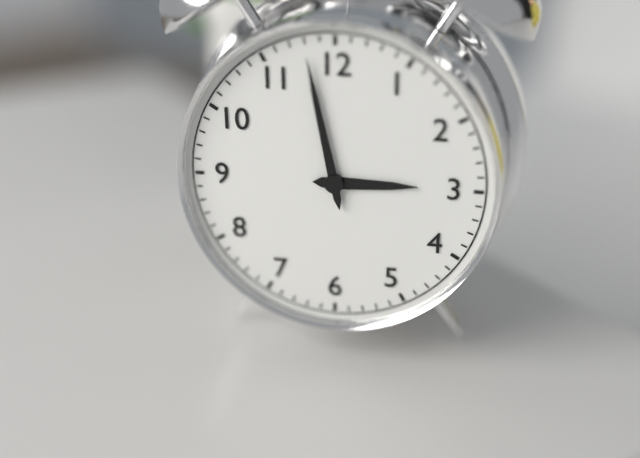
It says 2.58
